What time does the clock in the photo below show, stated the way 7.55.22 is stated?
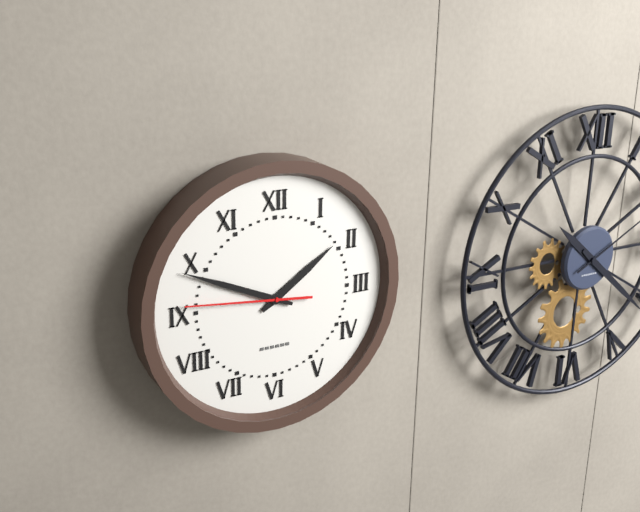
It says 1.49.46
